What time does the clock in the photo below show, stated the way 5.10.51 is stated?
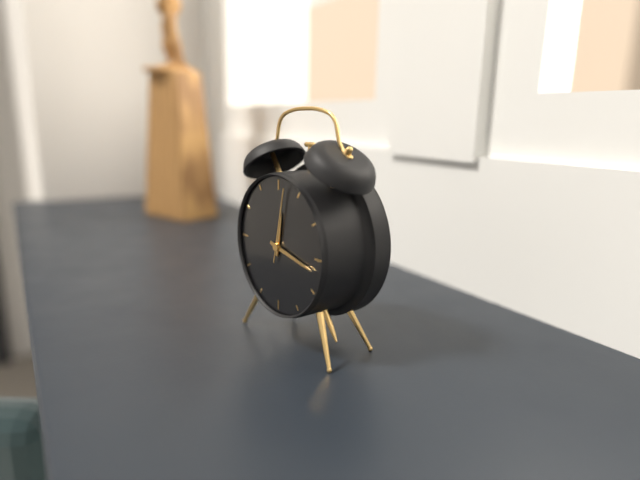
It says 12.17.02
